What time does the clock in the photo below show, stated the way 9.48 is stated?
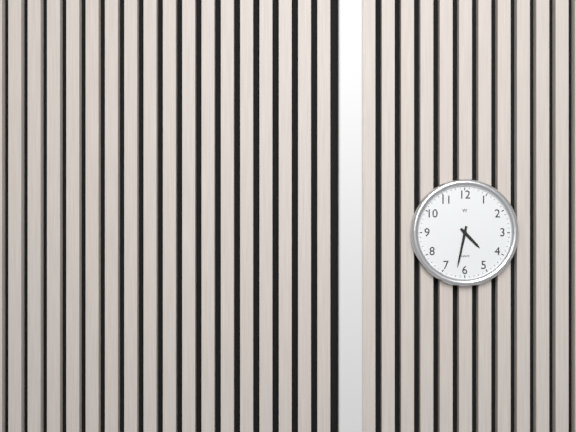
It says 4.32
